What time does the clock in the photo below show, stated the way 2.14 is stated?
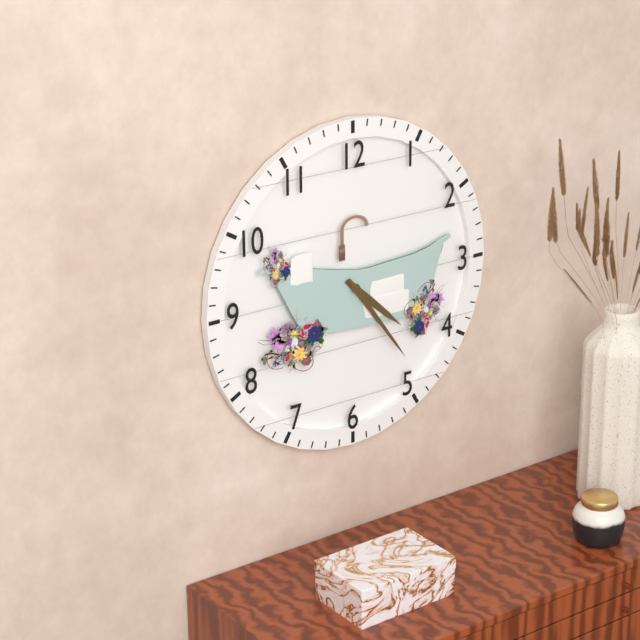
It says 4.24
